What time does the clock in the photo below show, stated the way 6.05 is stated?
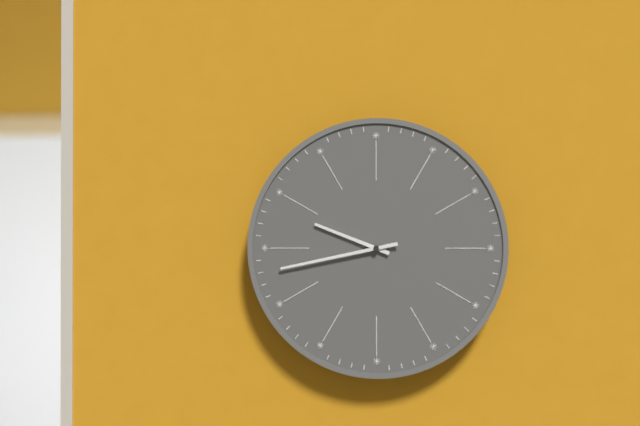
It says 9.43
